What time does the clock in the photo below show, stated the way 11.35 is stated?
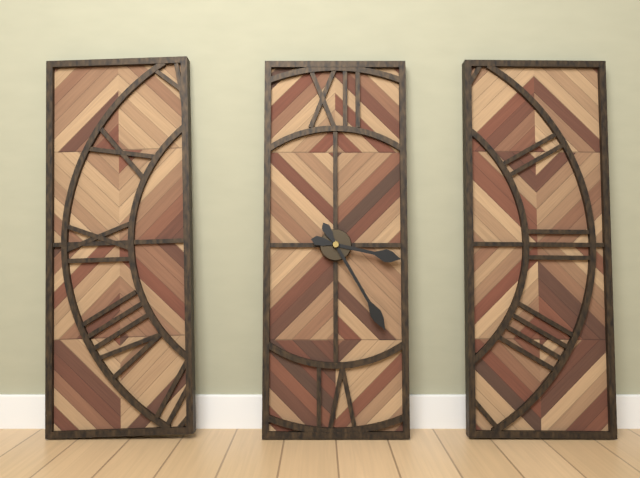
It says 3.25
